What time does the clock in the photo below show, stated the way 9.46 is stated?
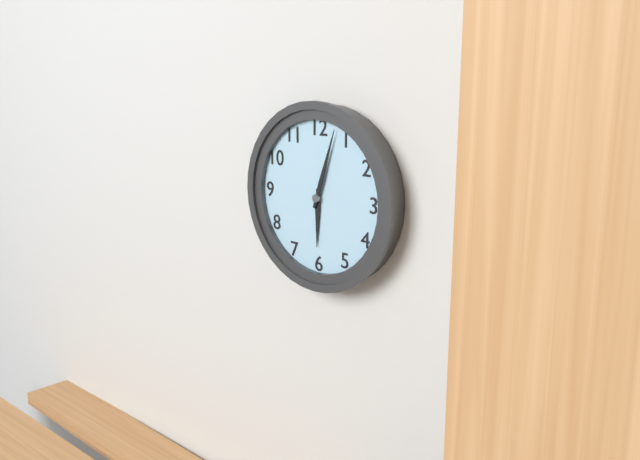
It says 6.03
